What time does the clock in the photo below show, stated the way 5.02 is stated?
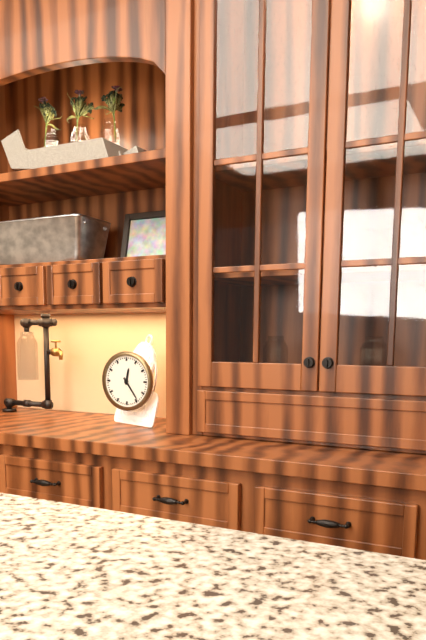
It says 12.24
